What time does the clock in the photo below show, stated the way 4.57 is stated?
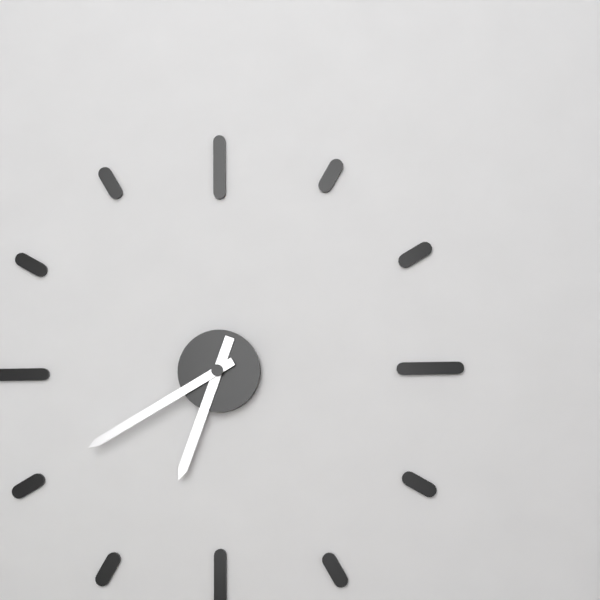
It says 6.40
